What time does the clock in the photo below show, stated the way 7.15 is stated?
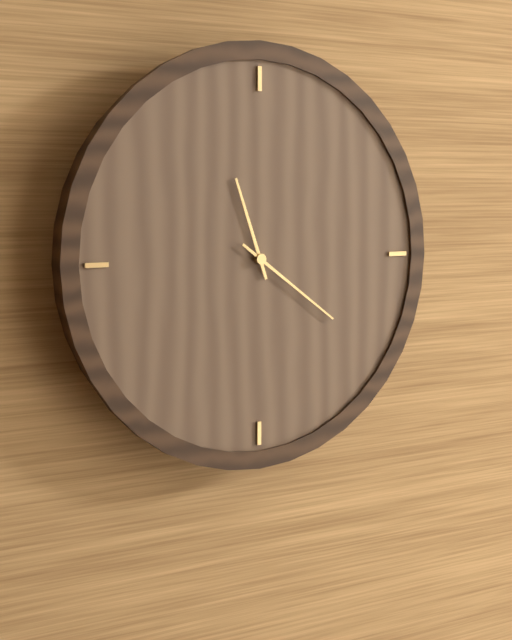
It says 11.21
